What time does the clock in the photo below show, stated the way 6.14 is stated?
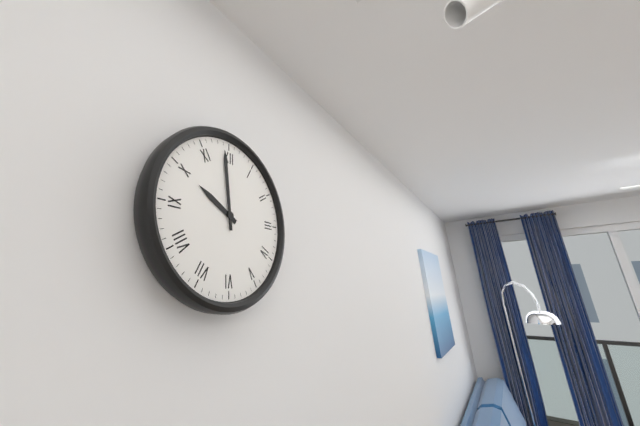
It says 9.59
